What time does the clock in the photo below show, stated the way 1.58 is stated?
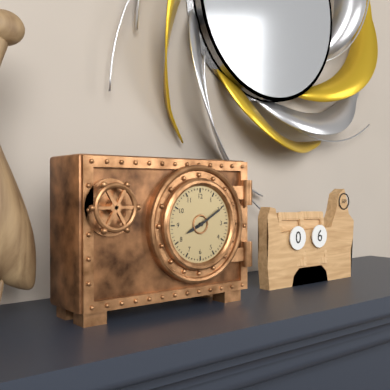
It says 8.10
